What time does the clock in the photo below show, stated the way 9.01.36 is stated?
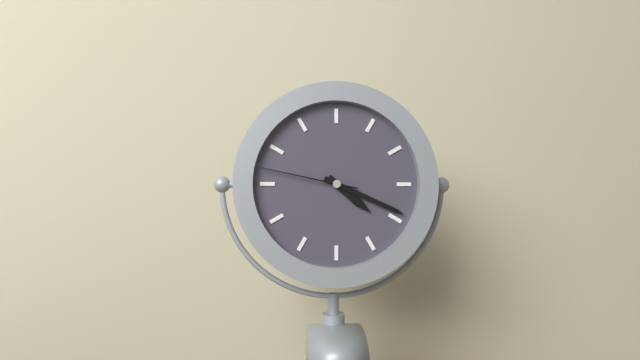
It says 4.19.47
